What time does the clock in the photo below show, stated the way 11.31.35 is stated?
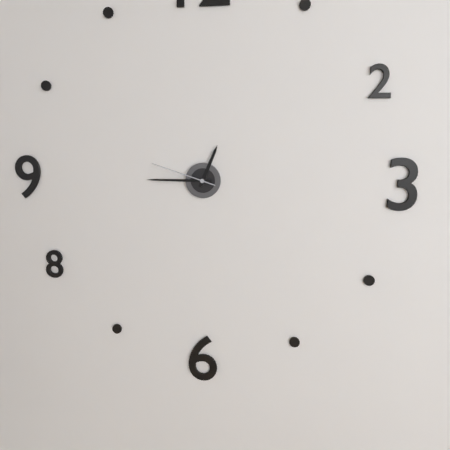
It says 12.45.48
